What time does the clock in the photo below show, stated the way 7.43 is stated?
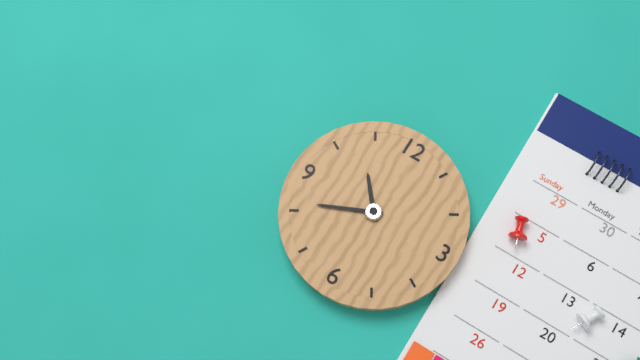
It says 10.41
